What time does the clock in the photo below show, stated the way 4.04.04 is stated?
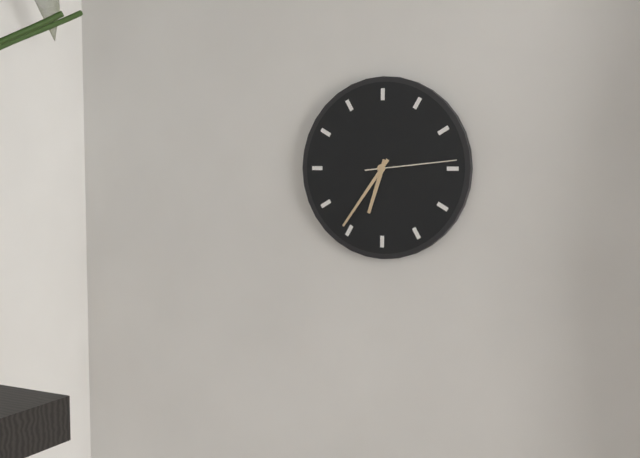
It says 6.36.14
